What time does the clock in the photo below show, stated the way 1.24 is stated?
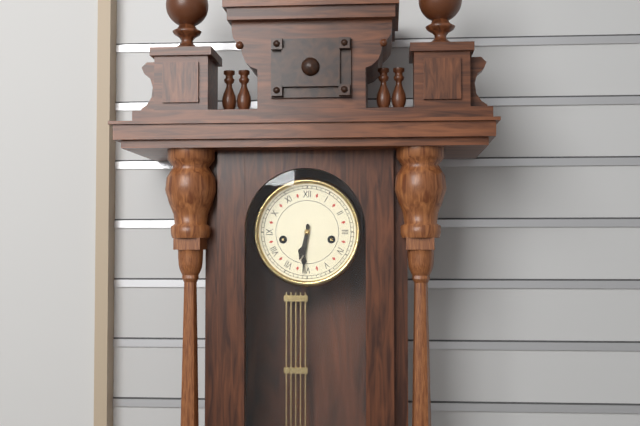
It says 6.31
